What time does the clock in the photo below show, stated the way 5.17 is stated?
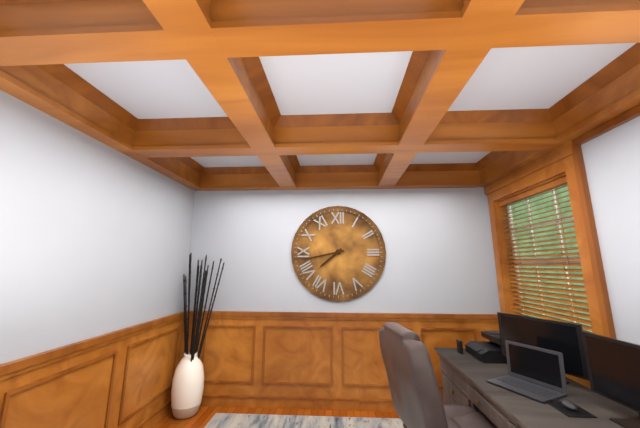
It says 7.43
